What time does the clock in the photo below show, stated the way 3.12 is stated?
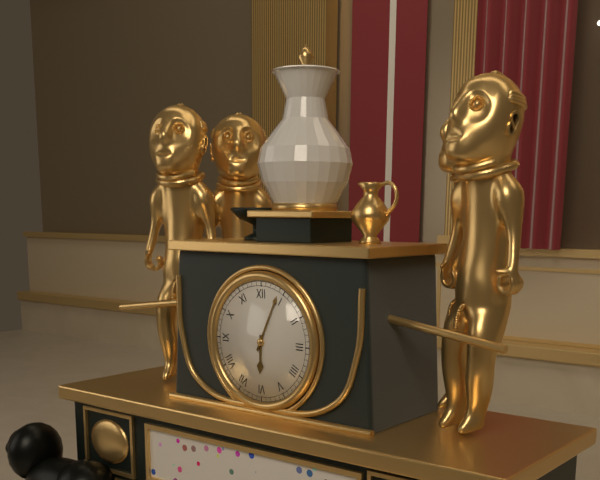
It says 6.04
